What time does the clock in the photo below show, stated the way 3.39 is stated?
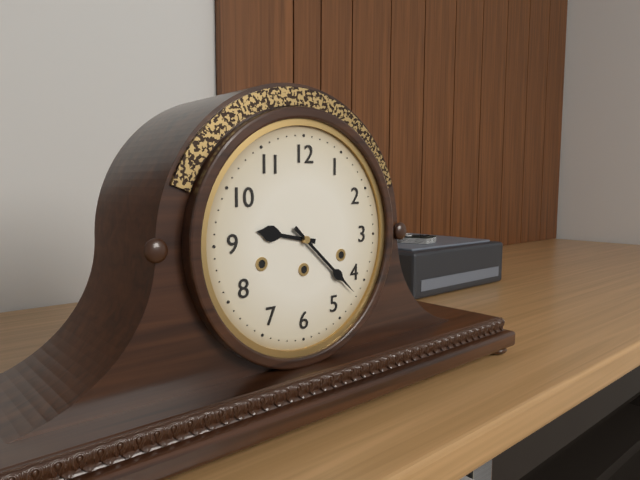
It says 9.22
